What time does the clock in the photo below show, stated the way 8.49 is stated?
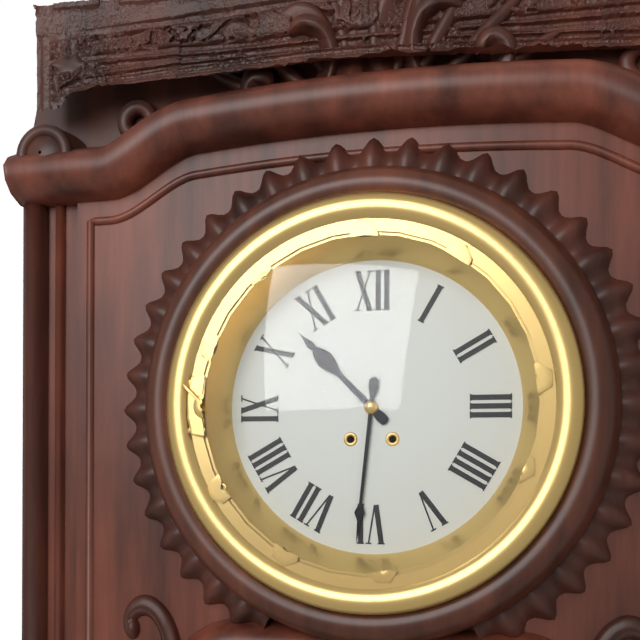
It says 10.31
